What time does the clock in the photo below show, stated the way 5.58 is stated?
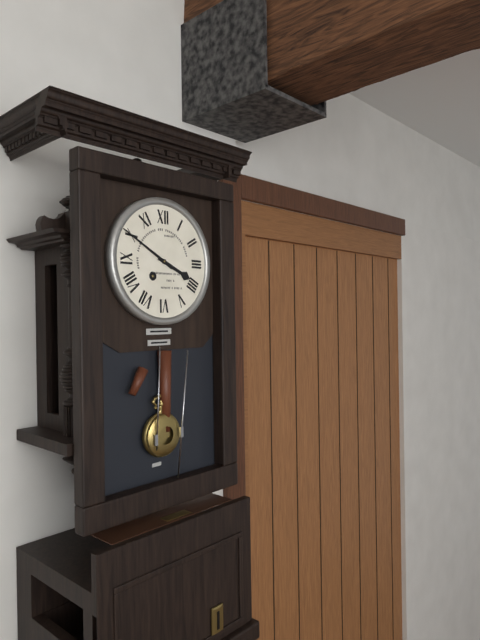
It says 3.50
